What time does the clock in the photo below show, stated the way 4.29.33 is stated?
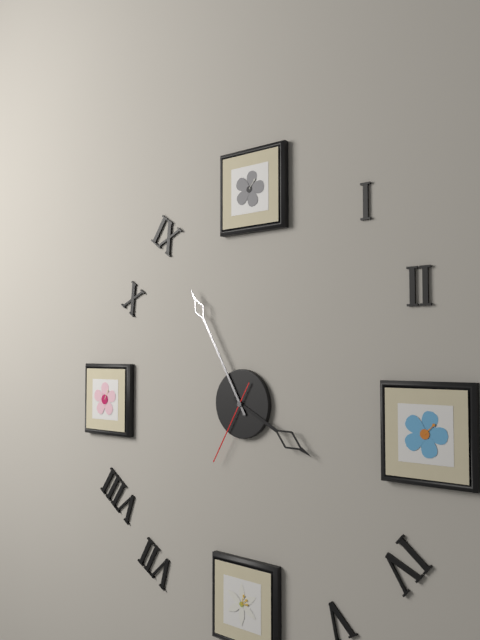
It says 3.55.35
